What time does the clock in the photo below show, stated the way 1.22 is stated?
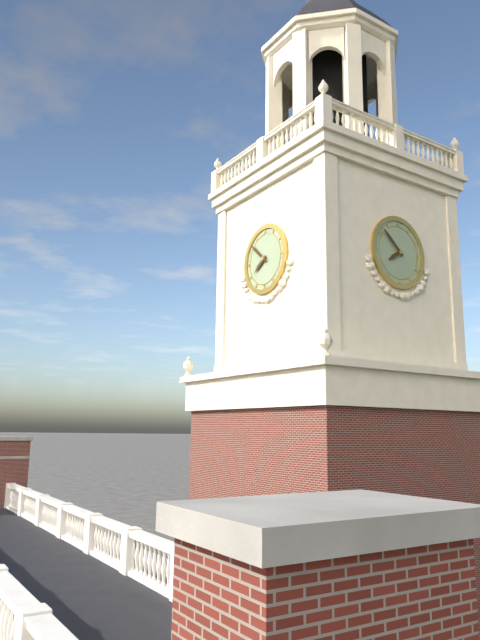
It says 7.52
